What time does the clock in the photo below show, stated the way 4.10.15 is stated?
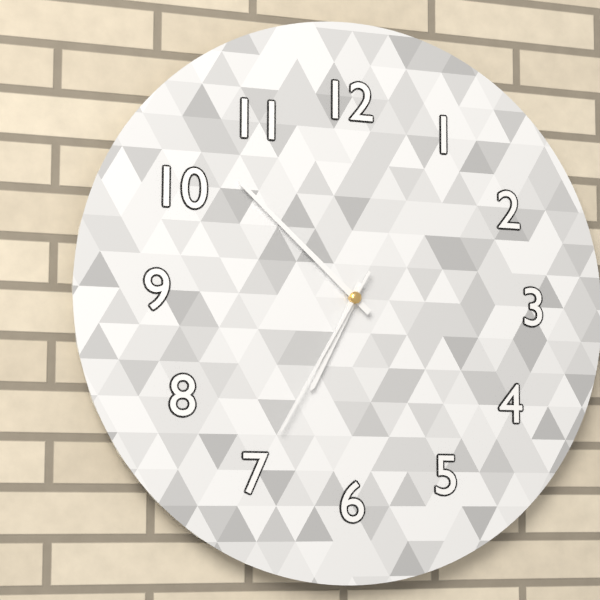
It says 6.52.35
